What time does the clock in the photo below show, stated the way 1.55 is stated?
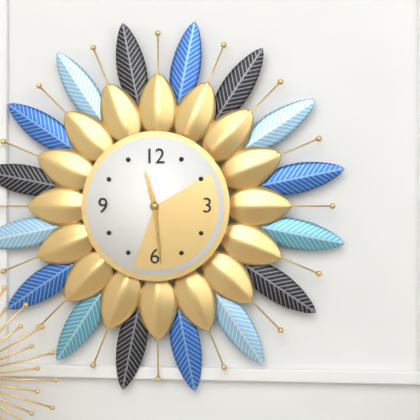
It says 11.29
